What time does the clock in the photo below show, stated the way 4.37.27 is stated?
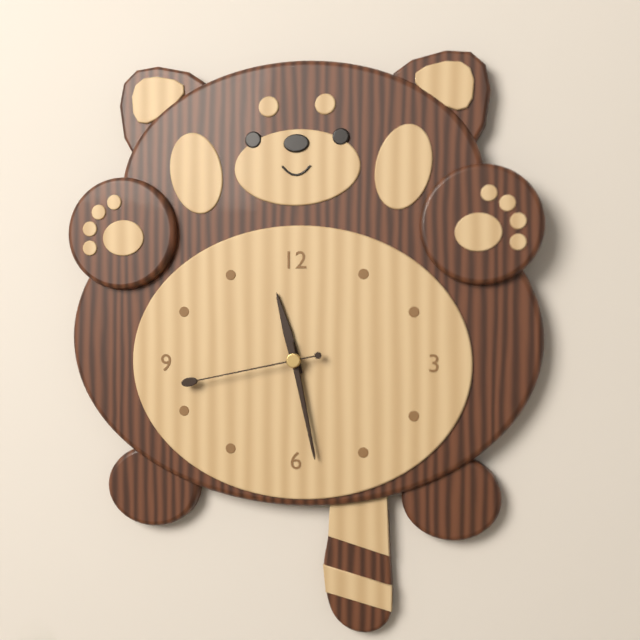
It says 11.28.43
